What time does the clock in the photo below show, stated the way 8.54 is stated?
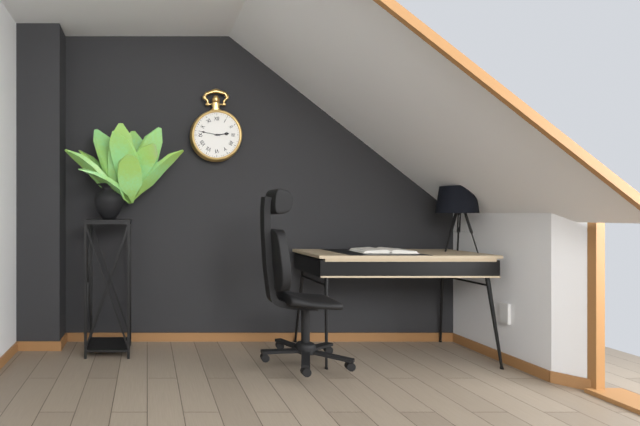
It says 2.47
